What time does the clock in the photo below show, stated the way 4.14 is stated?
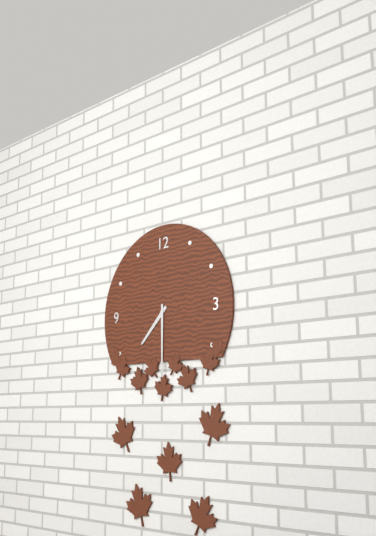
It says 7.30
